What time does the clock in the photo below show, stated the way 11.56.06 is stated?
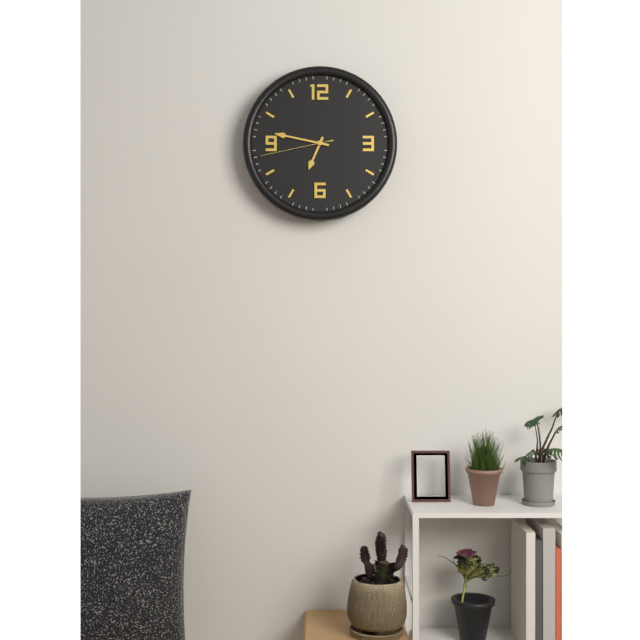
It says 6.47.43
